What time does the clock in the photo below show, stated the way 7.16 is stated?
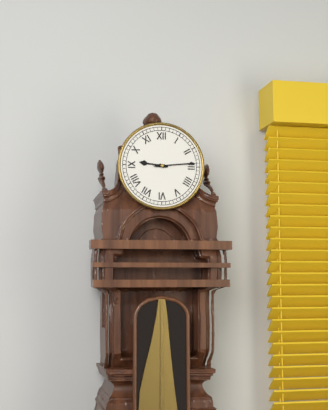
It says 9.14
